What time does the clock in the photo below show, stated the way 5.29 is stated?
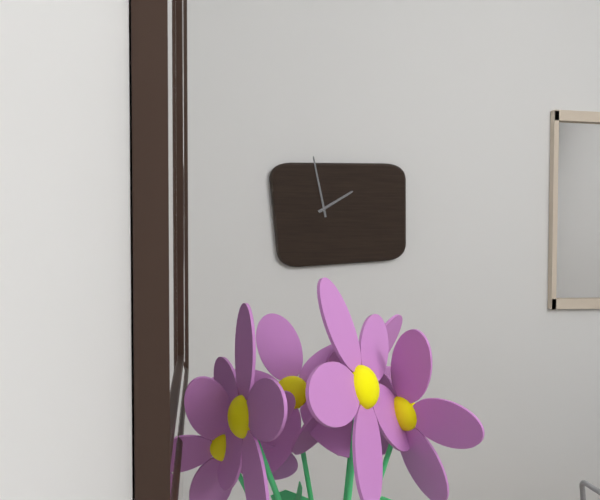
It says 1.58
